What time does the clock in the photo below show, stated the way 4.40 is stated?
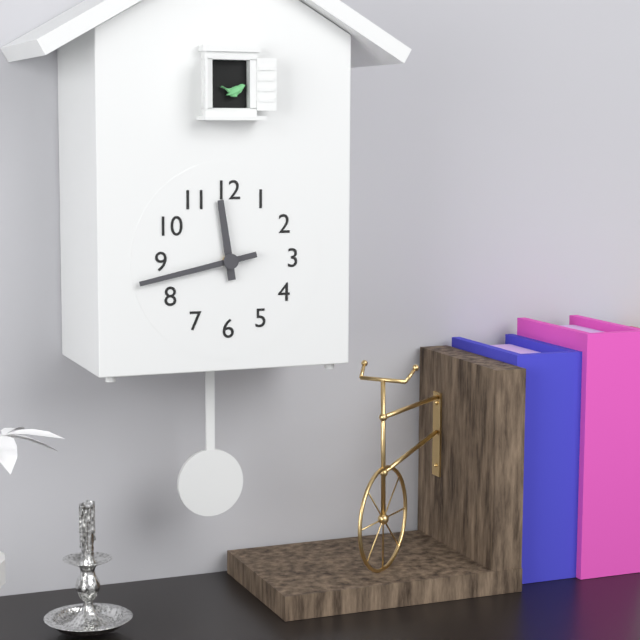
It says 11.43
